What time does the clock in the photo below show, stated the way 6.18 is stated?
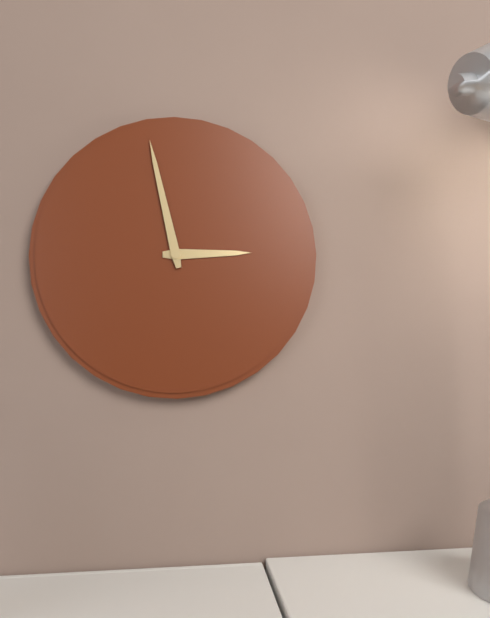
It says 2.58
